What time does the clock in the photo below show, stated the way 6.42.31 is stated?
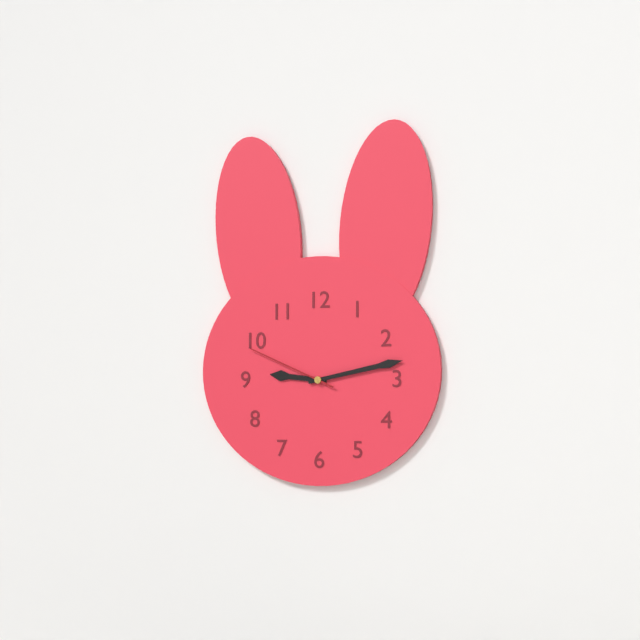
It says 9.13.49
